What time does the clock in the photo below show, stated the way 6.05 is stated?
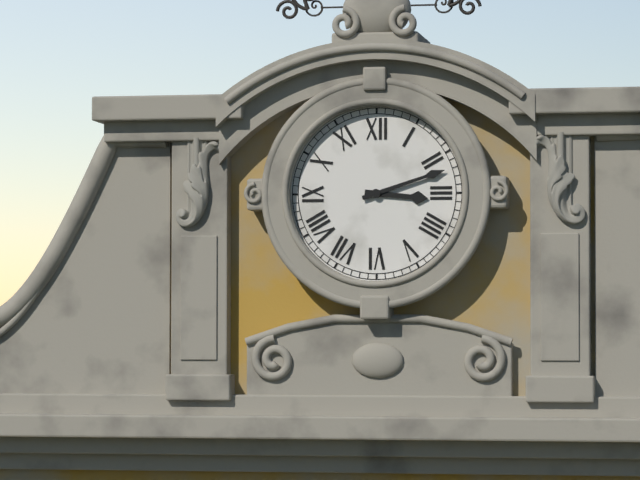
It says 3.12
